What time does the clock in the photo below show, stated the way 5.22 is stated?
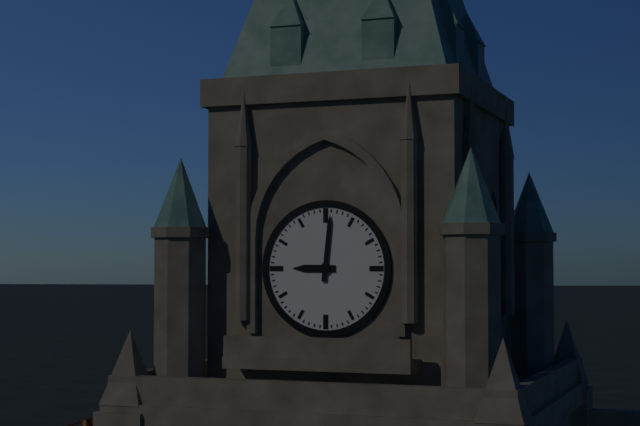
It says 9.01
